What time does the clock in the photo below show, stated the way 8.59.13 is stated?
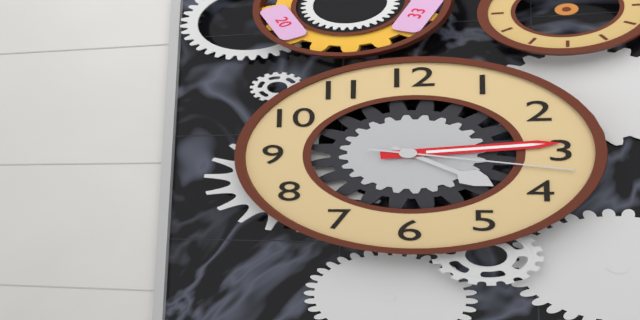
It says 4.14.17
